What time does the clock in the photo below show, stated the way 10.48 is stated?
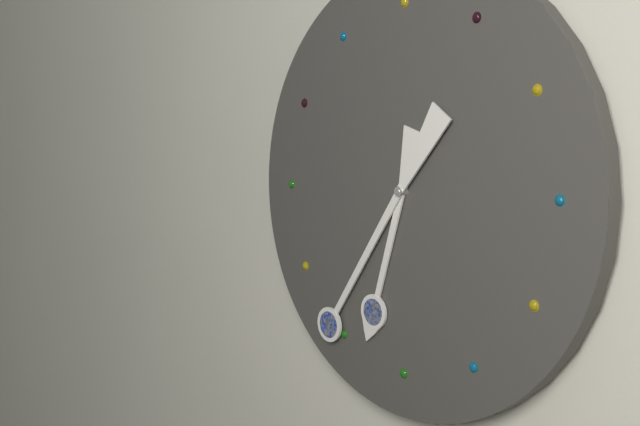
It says 6.36
